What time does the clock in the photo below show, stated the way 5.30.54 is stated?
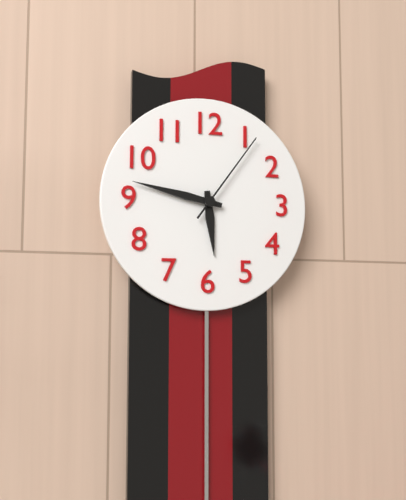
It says 5.47.06
